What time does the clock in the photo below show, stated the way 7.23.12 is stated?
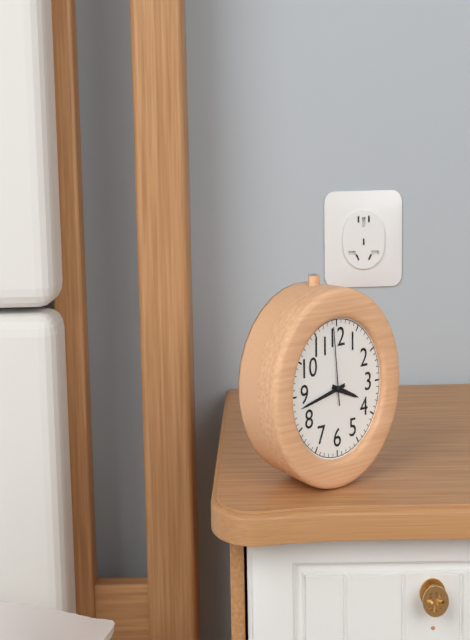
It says 3.43.59
